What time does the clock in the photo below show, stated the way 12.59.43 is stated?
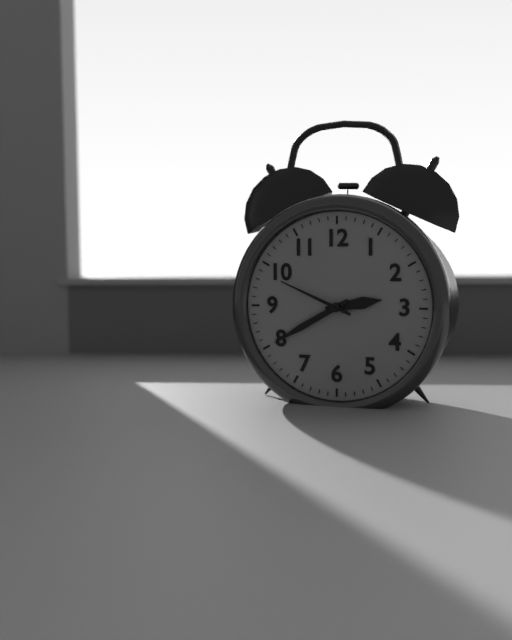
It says 2.40.49
